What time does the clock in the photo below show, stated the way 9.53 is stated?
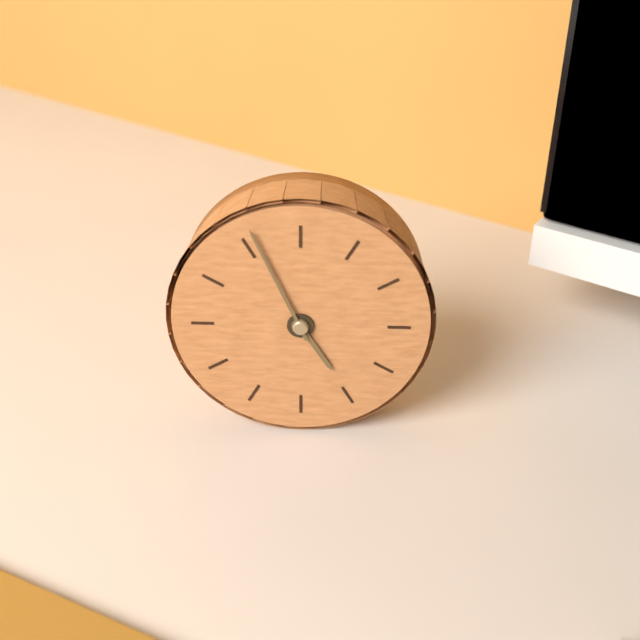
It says 4.56
